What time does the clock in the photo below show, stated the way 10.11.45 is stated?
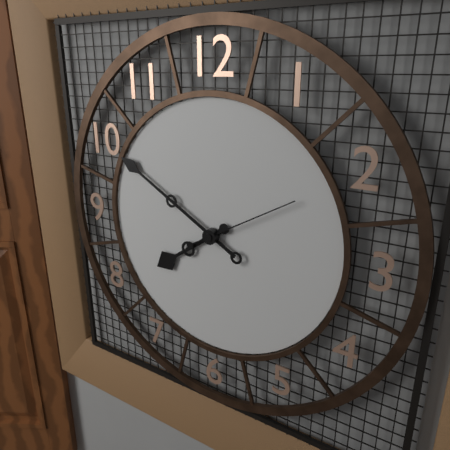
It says 7.50.10
